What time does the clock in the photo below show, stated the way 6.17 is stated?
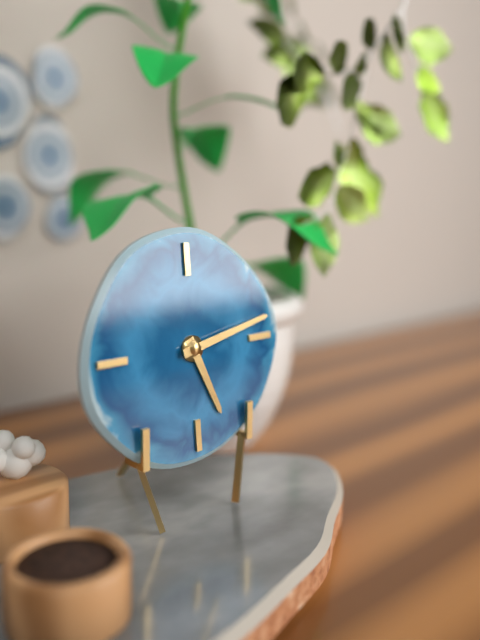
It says 5.13
